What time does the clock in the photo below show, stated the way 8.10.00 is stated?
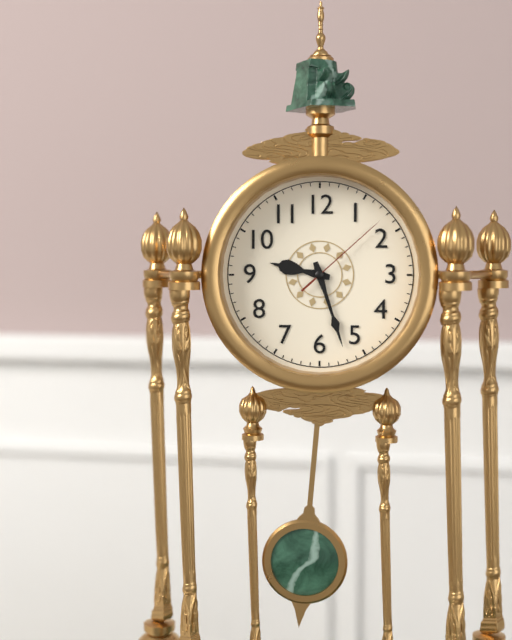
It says 9.27.08
